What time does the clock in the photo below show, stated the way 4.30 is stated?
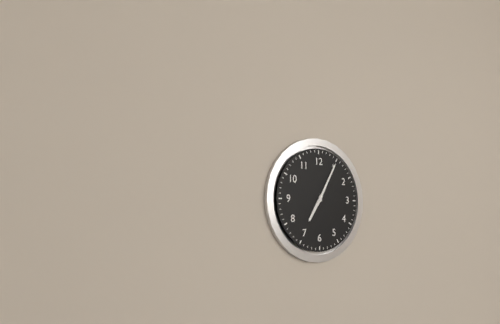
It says 7.05
